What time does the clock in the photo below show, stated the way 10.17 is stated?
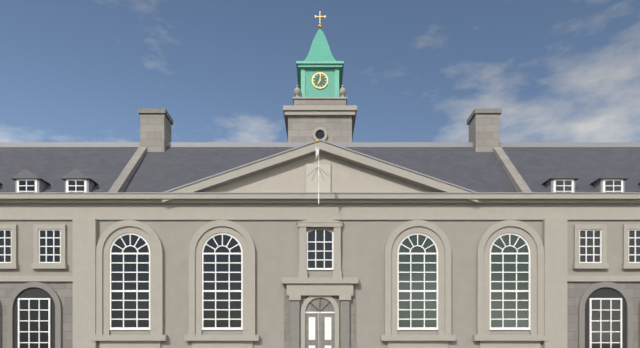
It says 7.01
